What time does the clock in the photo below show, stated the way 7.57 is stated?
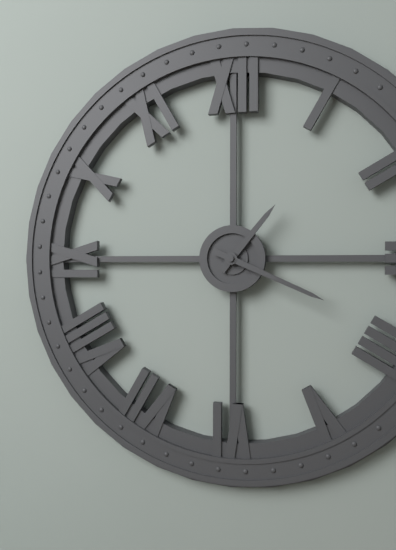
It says 1.19
